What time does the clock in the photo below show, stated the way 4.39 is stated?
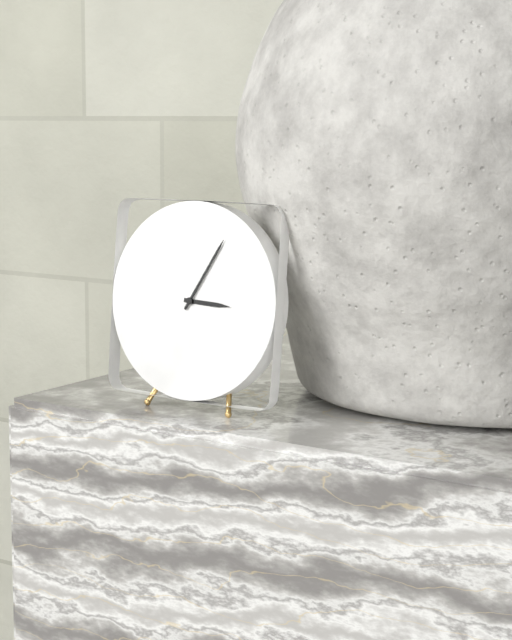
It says 3.05
